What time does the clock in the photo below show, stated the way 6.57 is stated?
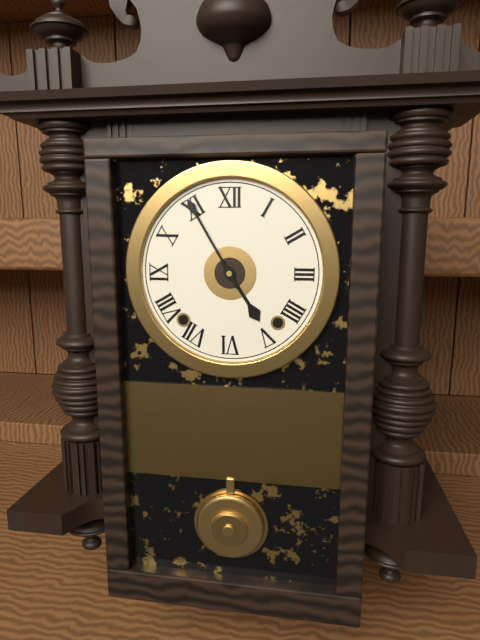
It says 4.55
